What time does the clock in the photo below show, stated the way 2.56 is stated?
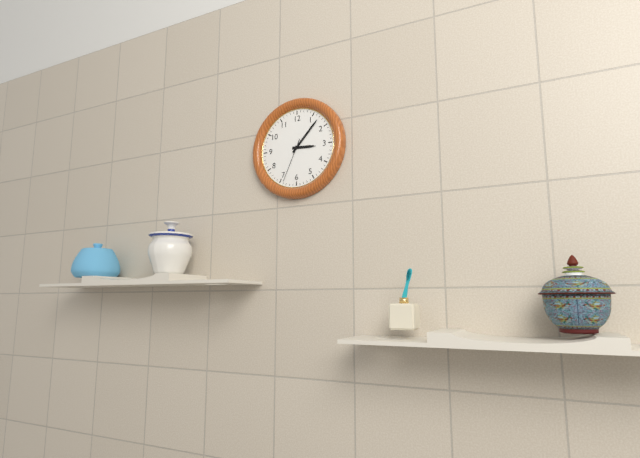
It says 3.07
